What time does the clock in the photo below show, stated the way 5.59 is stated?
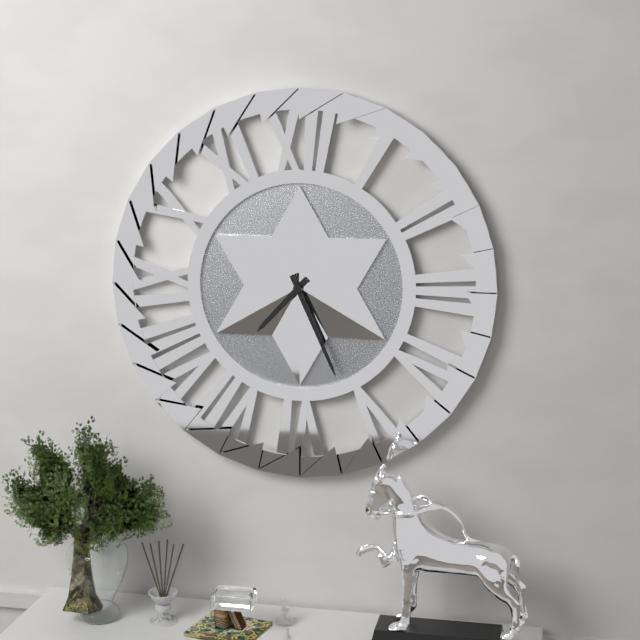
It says 7.26
